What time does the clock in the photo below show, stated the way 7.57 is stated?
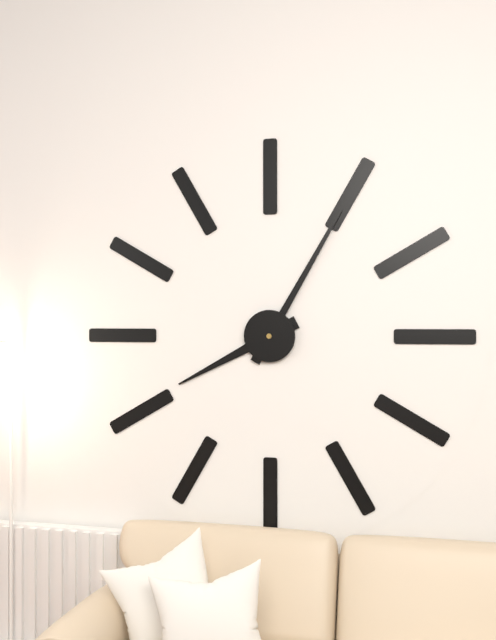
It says 8.05
